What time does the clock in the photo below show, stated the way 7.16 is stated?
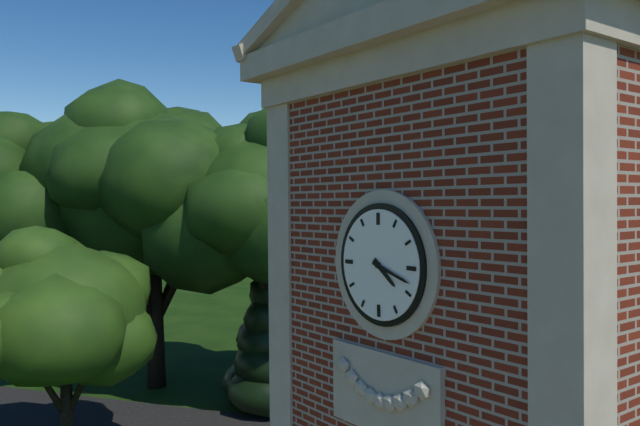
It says 4.18
